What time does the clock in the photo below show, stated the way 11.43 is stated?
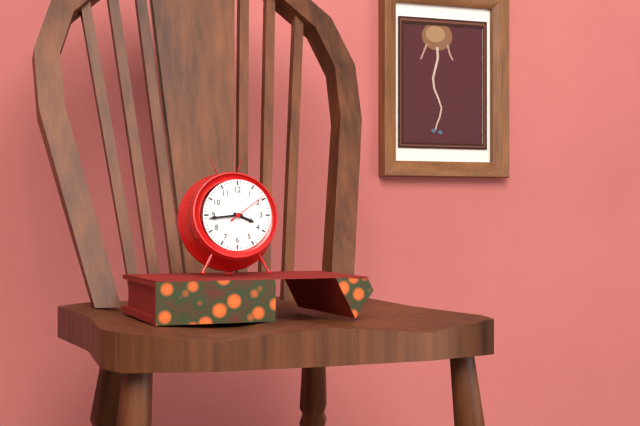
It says 3.44
